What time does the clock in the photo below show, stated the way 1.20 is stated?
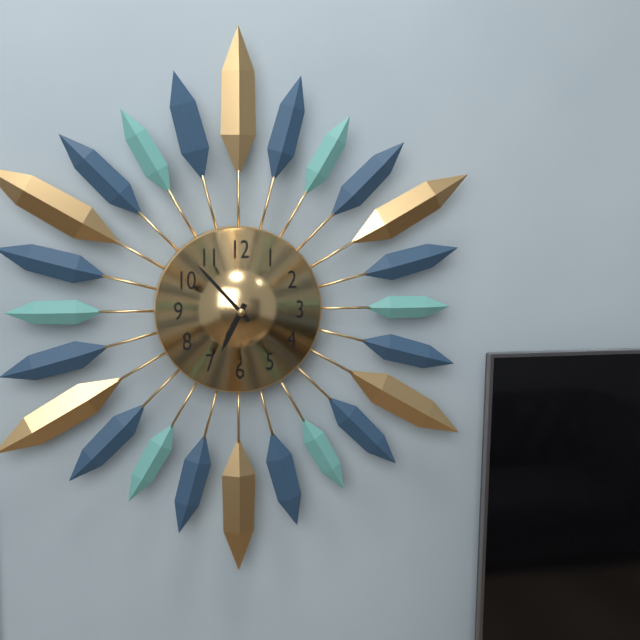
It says 6.53
